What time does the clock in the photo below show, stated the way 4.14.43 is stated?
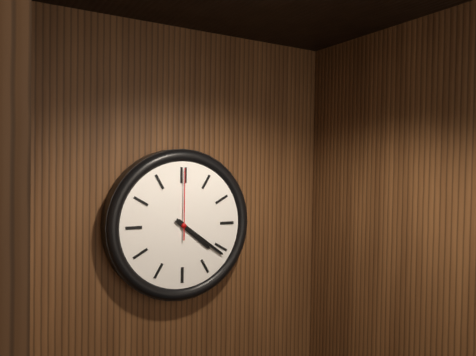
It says 4.21.00
